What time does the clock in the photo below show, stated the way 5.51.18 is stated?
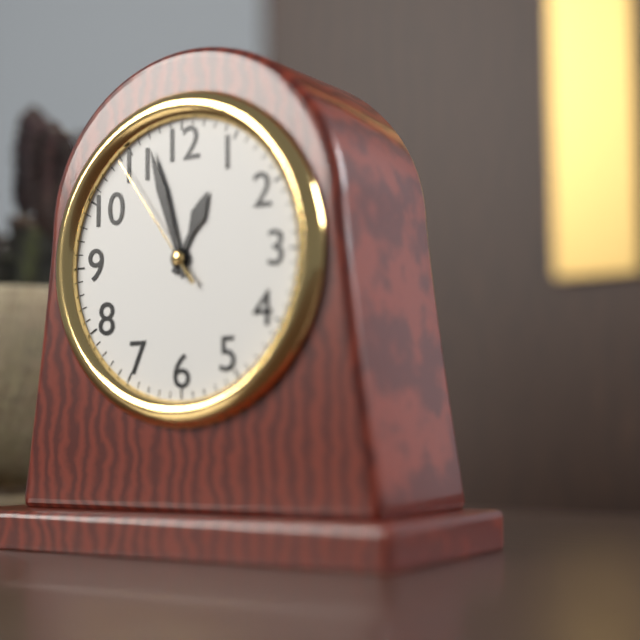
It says 12.57.54
